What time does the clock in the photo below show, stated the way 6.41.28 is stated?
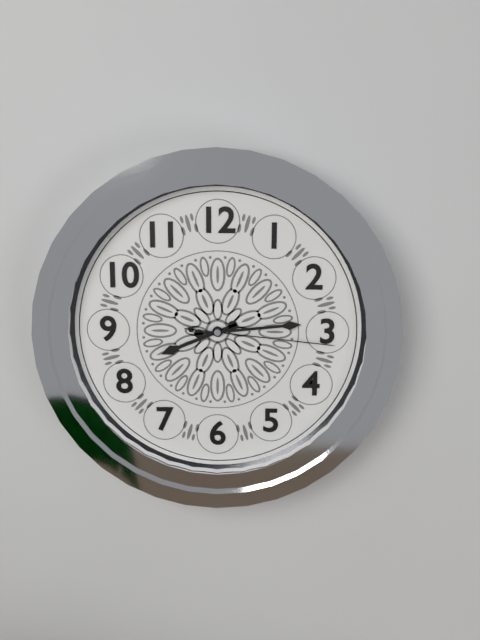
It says 8.14.16
